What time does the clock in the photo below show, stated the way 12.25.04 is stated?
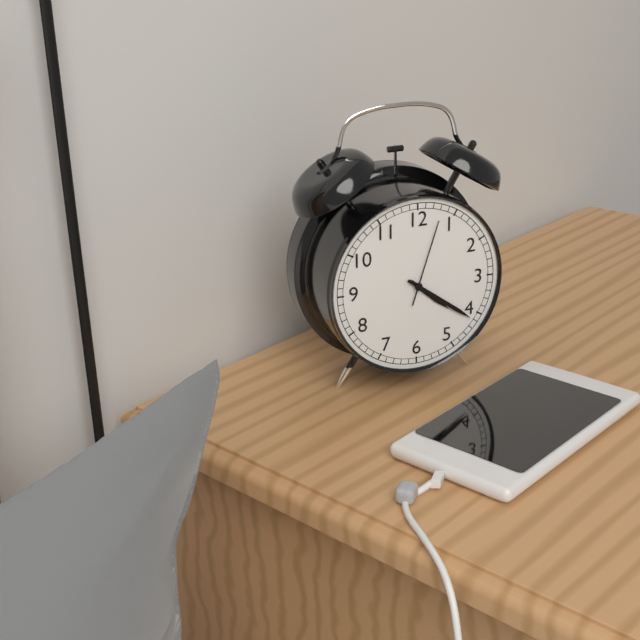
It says 4.21.03
